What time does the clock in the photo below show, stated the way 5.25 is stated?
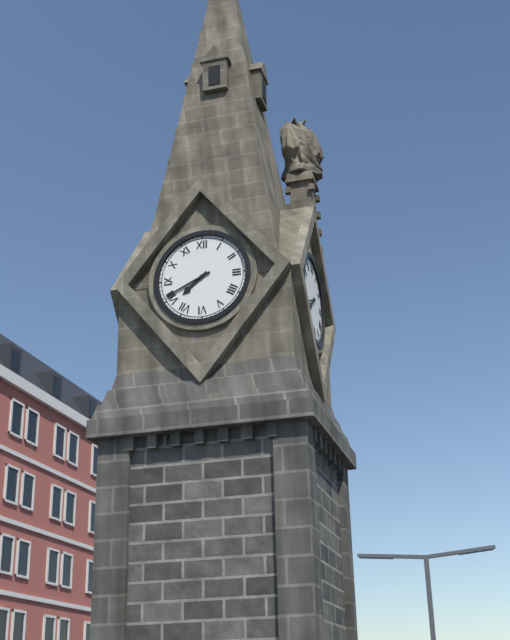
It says 7.41
